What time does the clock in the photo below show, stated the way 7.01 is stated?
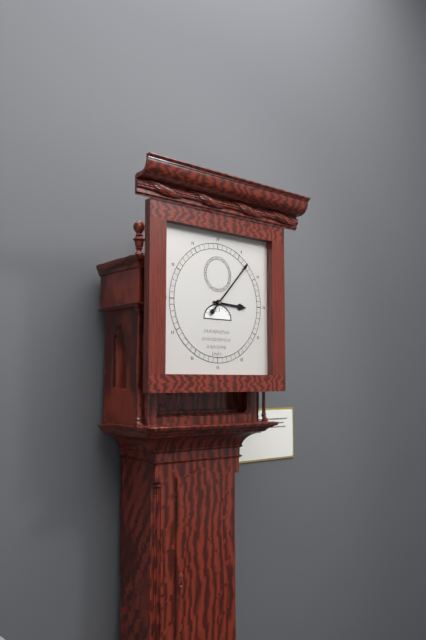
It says 3.07
